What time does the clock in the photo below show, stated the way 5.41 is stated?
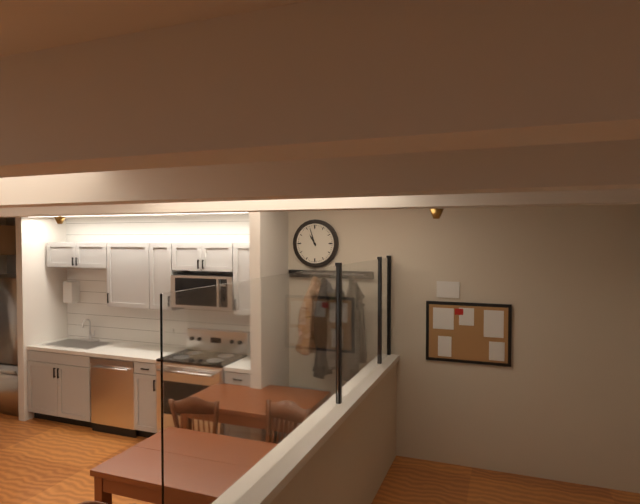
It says 10.57
